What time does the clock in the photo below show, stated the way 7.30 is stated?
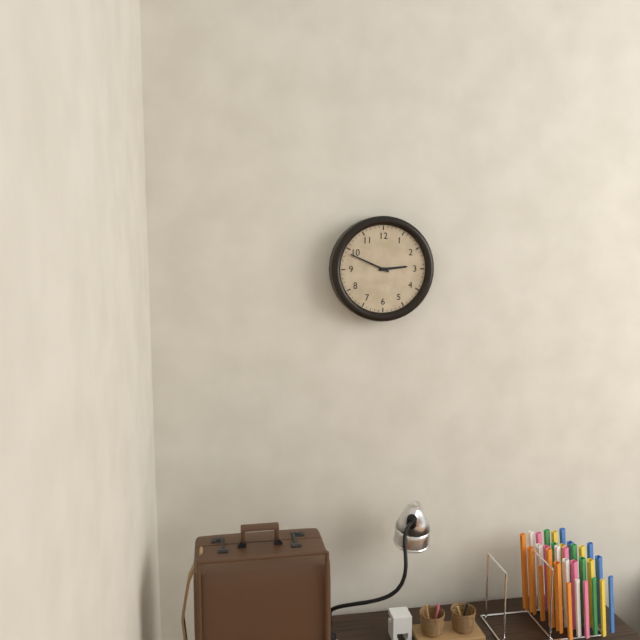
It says 2.49
